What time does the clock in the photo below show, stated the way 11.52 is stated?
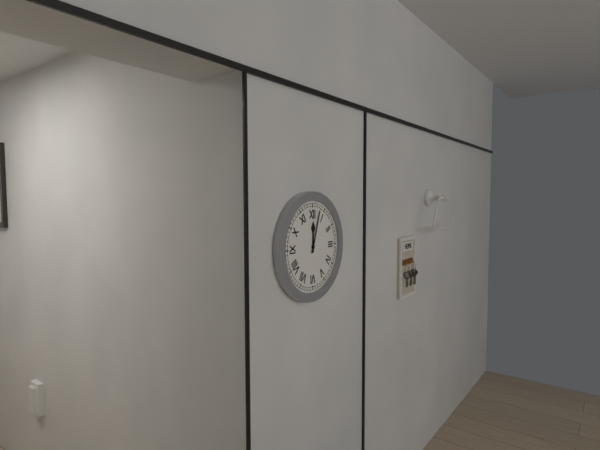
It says 12.03
